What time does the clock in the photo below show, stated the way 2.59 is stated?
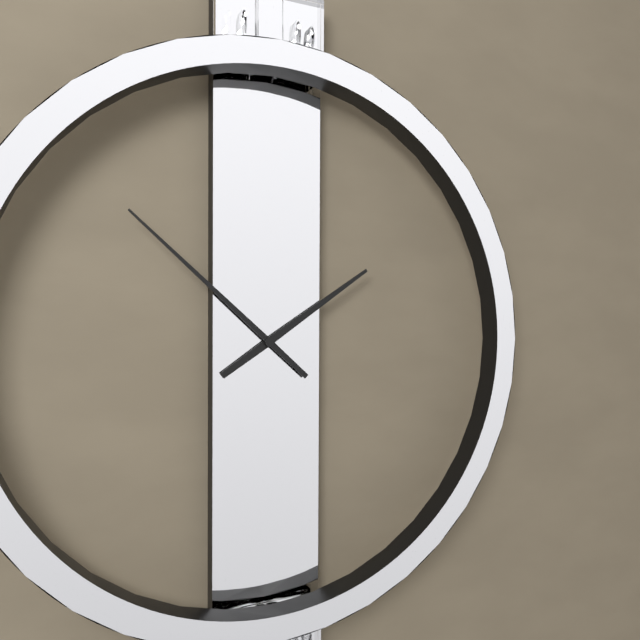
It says 1.52
